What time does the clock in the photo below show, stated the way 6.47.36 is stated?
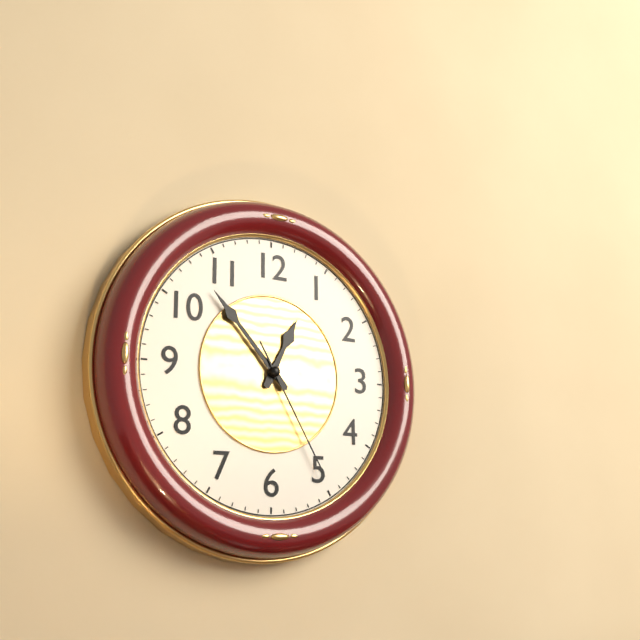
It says 12.53.25
